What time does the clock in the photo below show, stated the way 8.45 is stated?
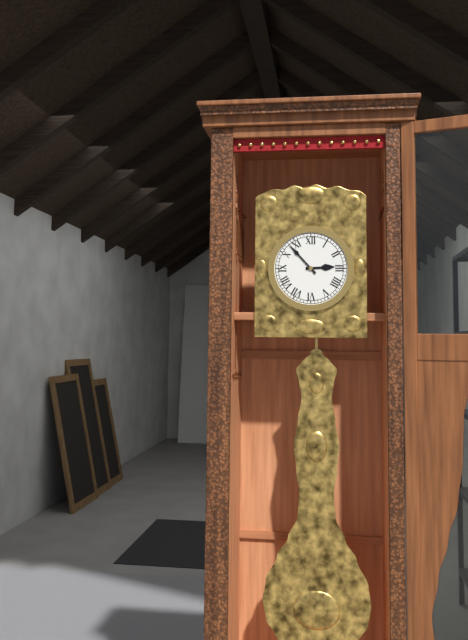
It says 2.53
